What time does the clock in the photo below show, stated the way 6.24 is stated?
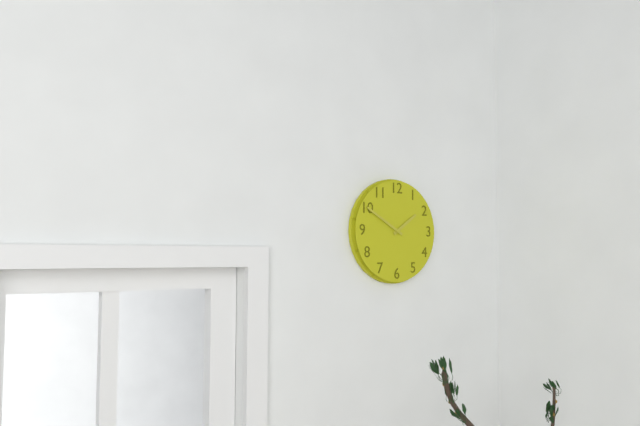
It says 1.50
